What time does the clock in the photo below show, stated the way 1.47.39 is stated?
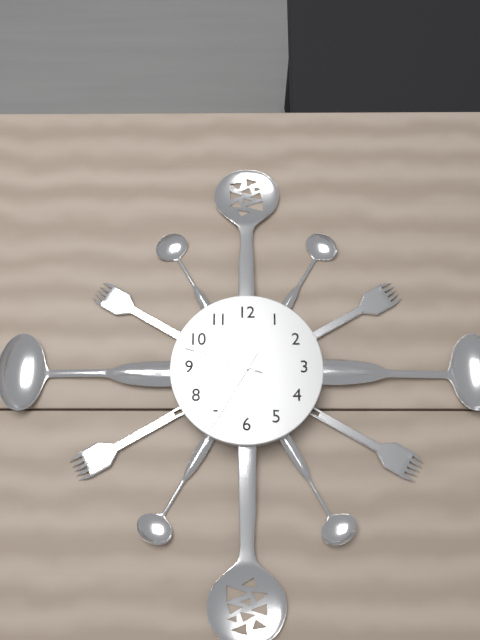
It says 9.35.48
